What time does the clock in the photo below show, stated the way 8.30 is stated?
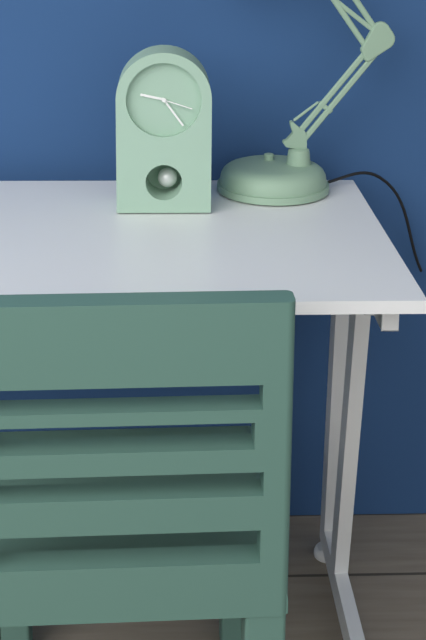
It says 9.24
